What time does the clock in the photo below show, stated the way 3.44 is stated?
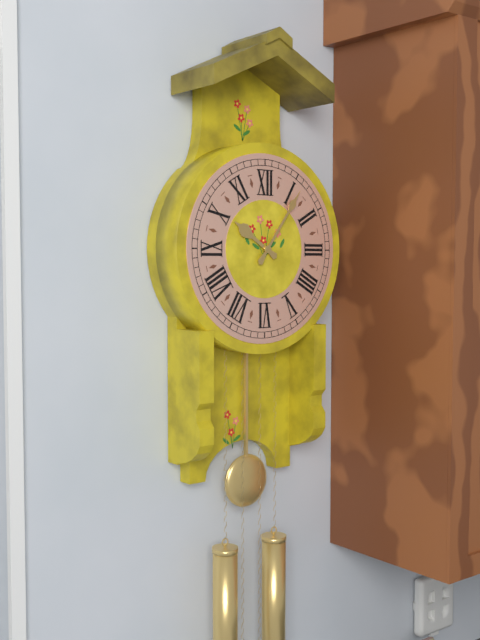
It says 10.06
